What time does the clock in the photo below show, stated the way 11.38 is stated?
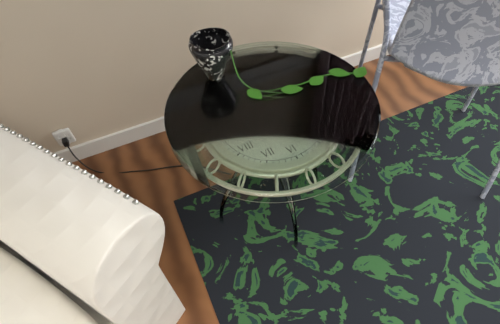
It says 9.00
